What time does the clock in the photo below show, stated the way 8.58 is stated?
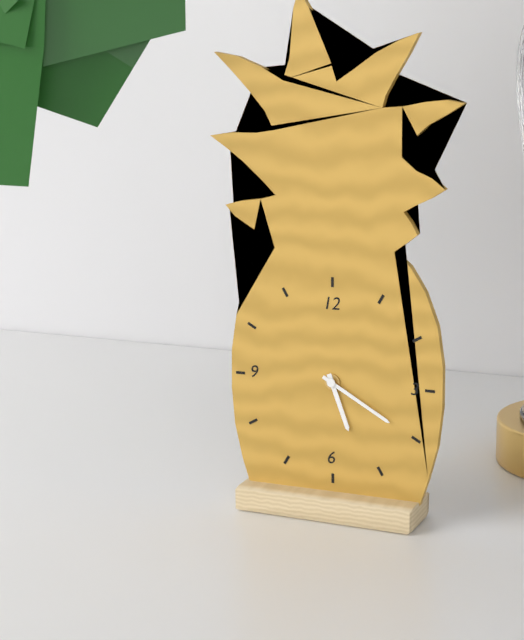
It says 5.20
